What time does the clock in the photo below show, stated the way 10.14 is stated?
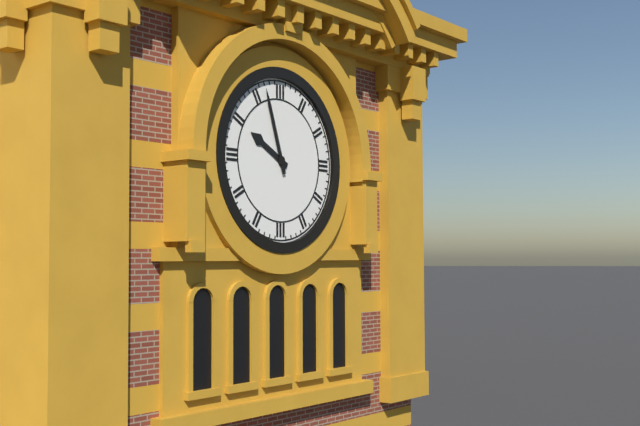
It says 9.57
